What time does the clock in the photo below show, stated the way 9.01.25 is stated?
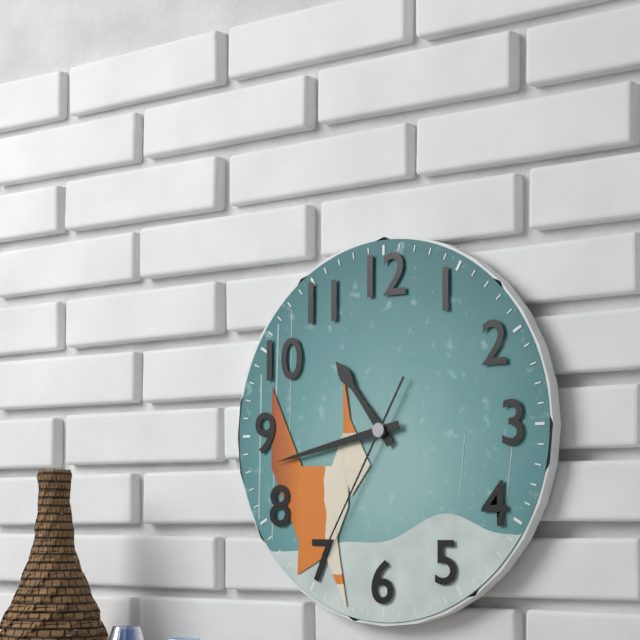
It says 10.43.35
